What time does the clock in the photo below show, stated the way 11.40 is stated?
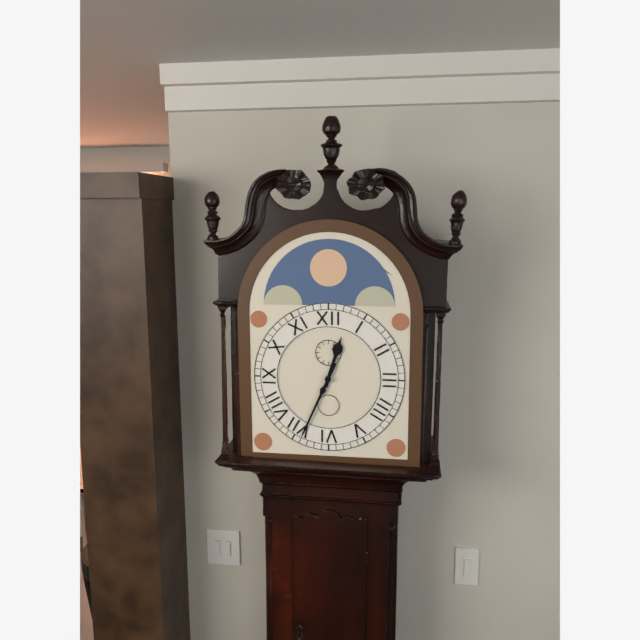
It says 12.34
